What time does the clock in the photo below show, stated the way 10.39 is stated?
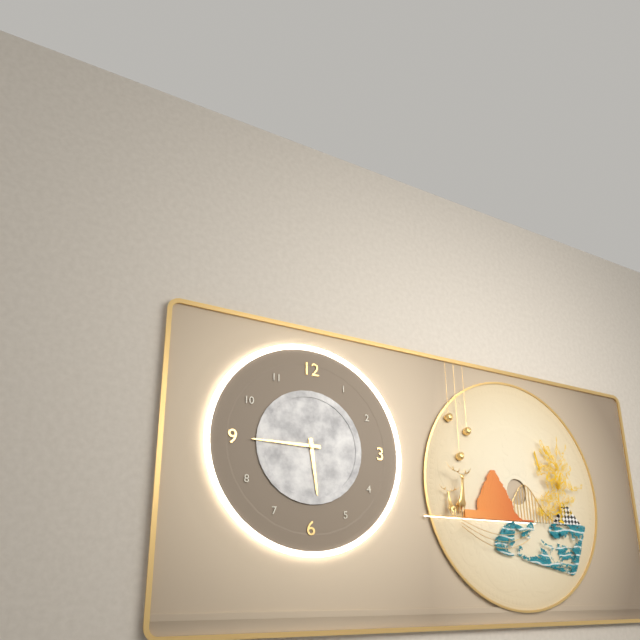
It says 5.45
